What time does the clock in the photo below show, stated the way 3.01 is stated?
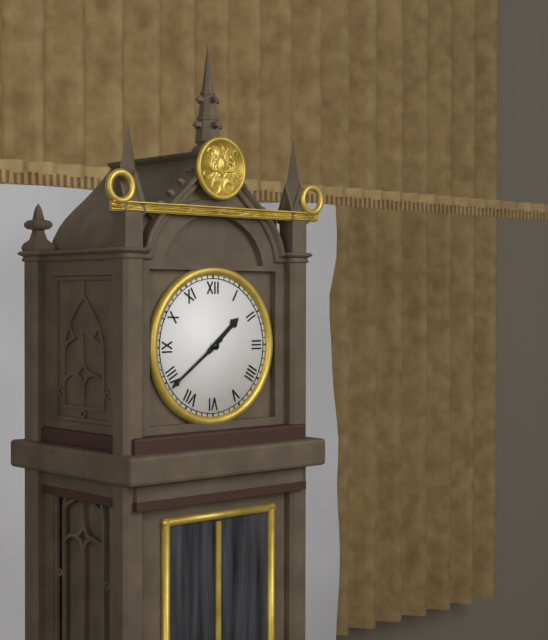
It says 1.39
